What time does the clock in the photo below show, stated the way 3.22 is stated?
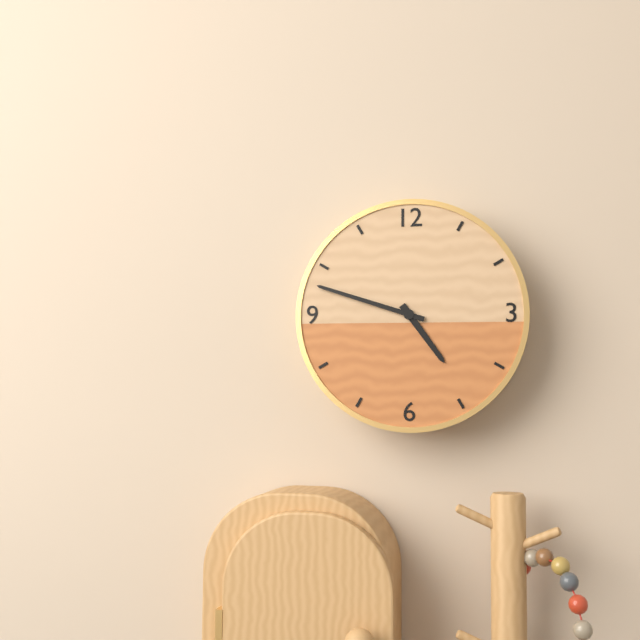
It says 4.48
